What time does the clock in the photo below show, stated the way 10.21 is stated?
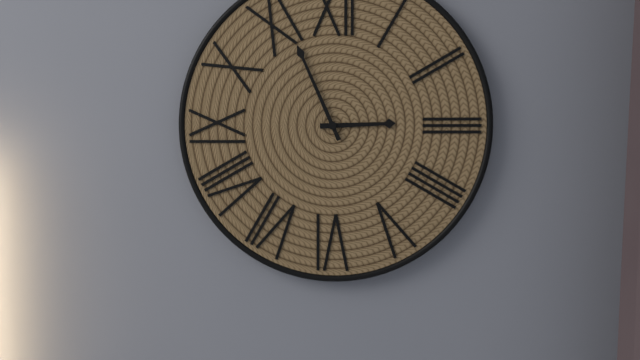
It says 2.56
